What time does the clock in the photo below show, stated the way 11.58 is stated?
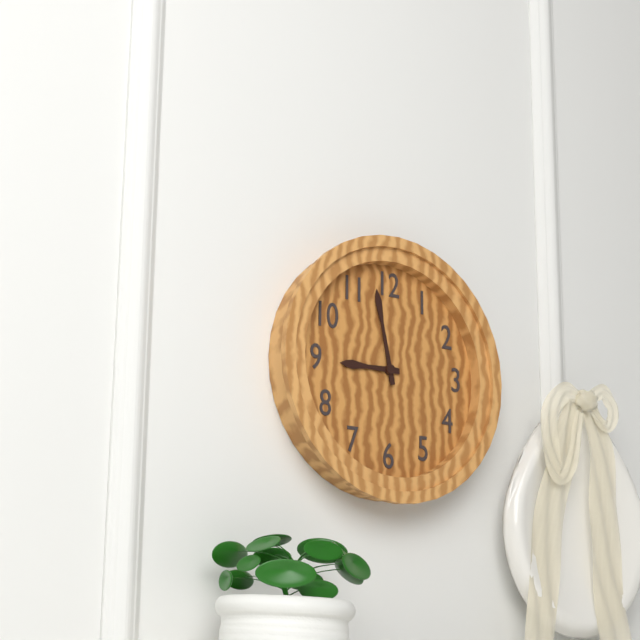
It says 8.58
